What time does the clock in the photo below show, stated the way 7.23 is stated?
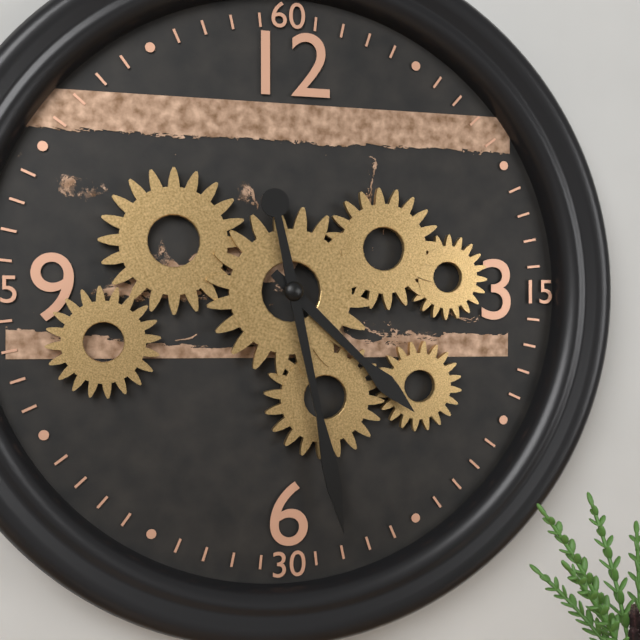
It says 4.28
